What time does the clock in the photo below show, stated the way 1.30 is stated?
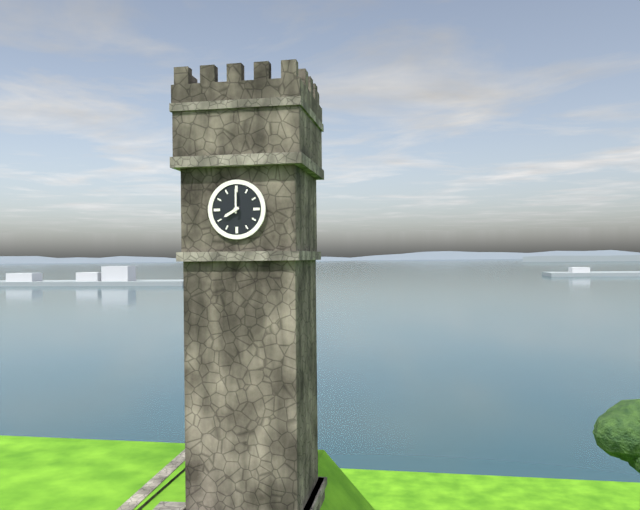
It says 8.00
